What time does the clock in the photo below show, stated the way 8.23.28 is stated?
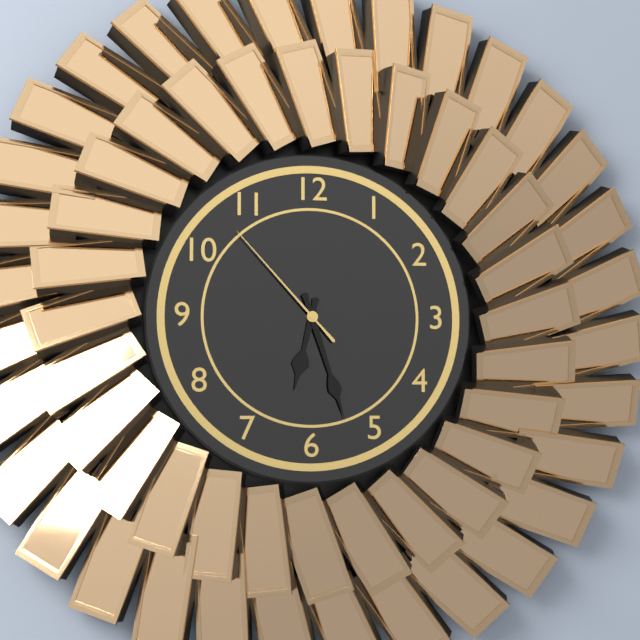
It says 6.27.53
